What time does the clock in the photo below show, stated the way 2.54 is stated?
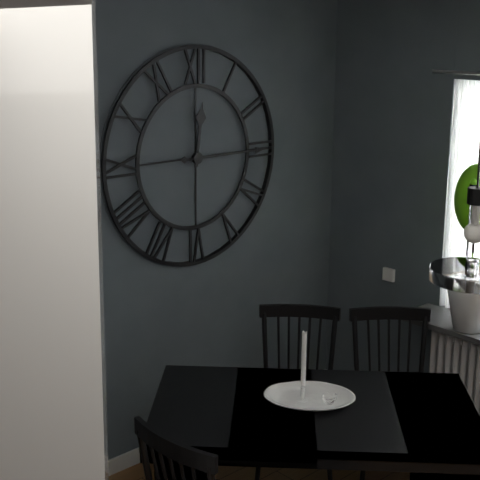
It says 12.15
